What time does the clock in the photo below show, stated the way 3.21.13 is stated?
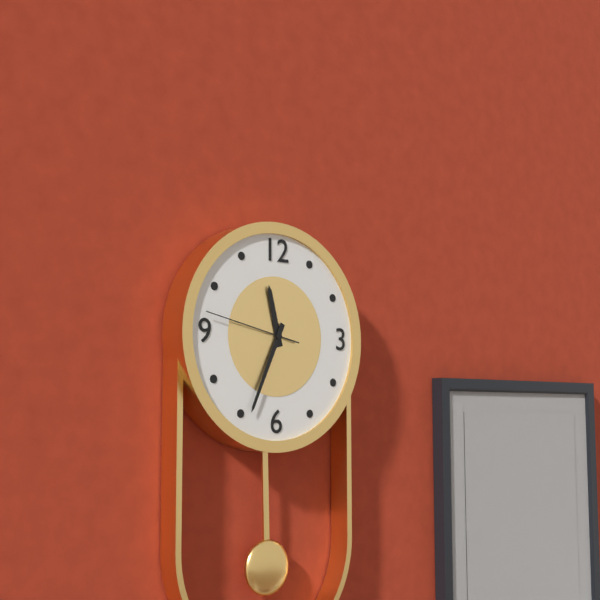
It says 11.34.47
